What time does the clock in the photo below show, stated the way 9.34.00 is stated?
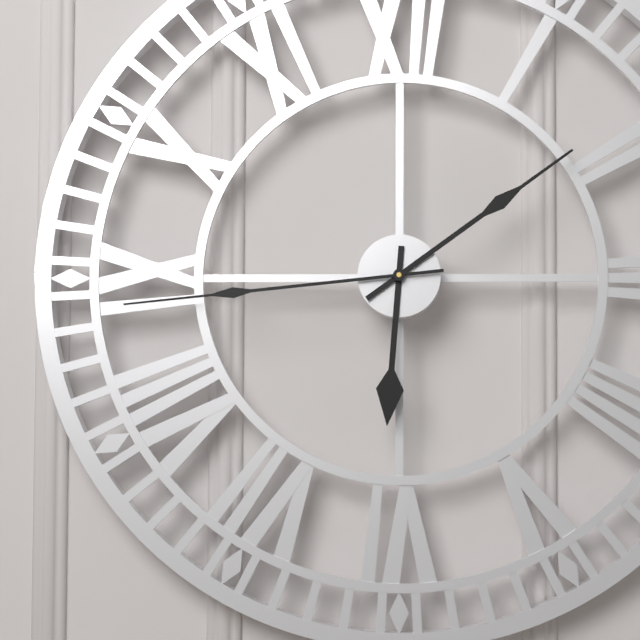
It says 6.09.44
